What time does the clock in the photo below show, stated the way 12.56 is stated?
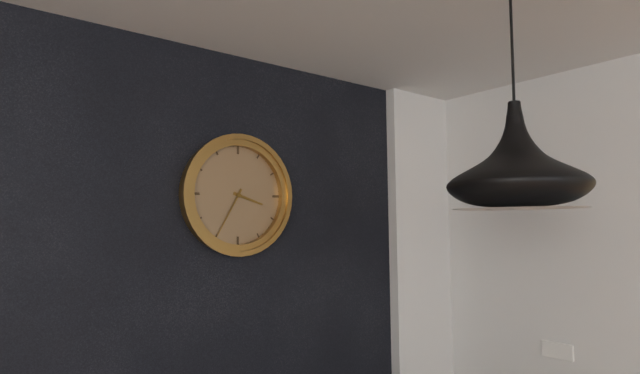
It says 3.35
